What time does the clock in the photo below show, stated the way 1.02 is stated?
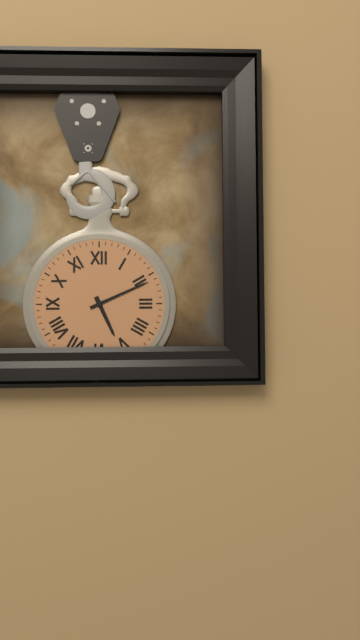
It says 5.11
